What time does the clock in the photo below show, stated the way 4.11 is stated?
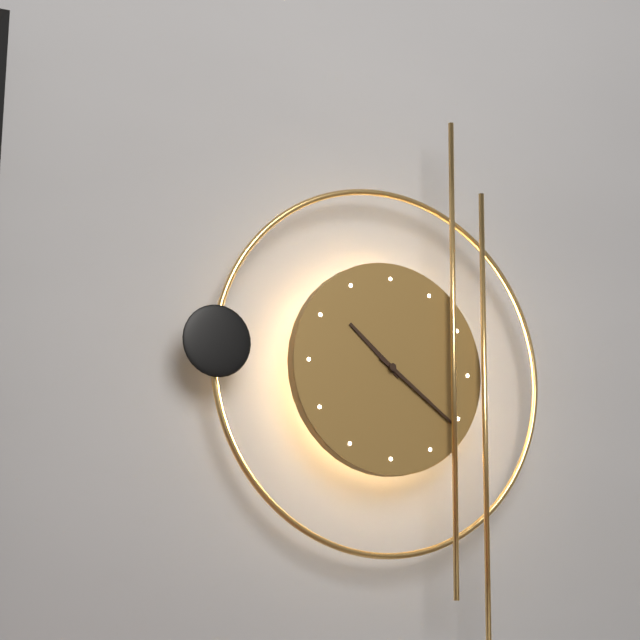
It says 10.21
